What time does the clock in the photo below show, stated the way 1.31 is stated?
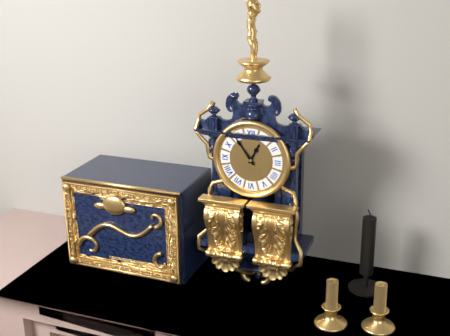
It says 12.54
